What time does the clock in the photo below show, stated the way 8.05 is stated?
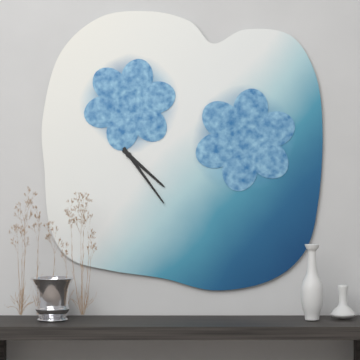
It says 4.24
